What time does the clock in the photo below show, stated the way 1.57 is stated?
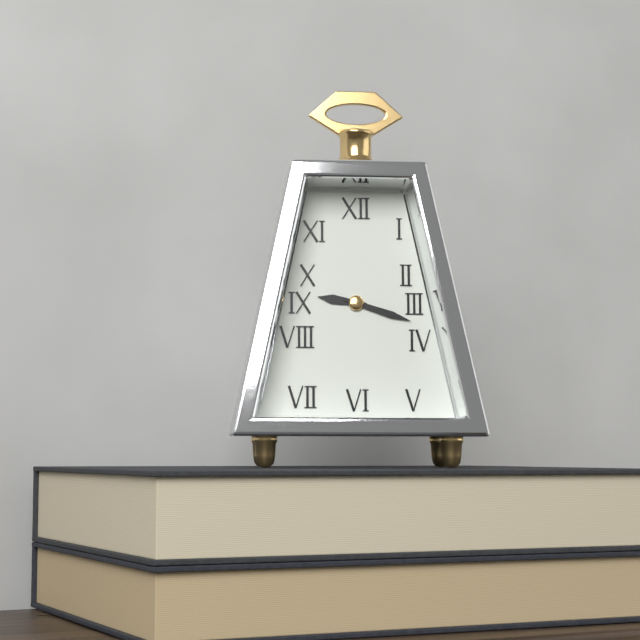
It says 9.18
